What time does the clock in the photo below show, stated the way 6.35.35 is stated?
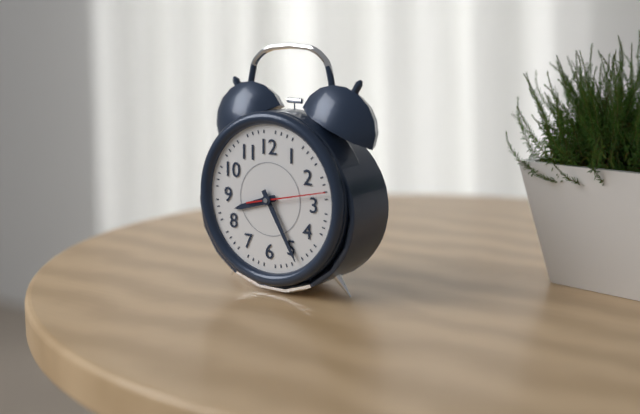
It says 8.25.13
